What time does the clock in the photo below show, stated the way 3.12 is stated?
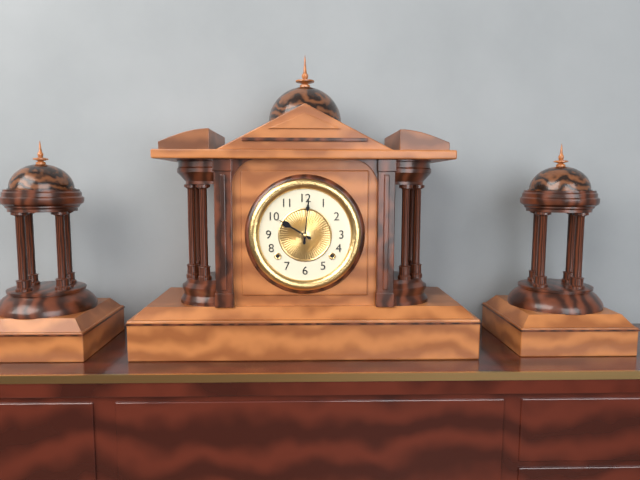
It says 10.01
